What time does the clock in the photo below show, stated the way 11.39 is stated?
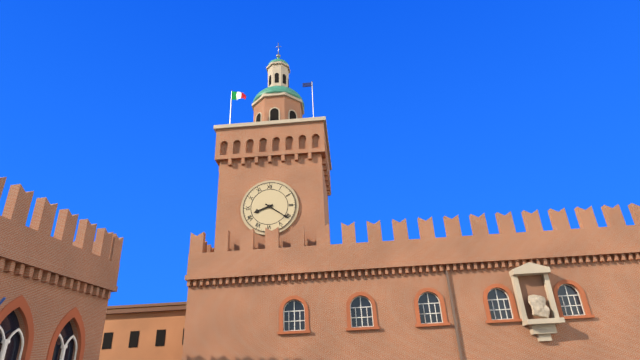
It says 8.21
